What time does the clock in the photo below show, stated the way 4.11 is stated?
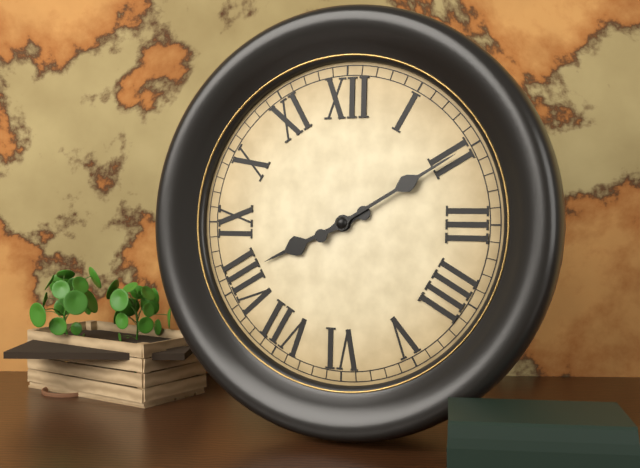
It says 8.10
